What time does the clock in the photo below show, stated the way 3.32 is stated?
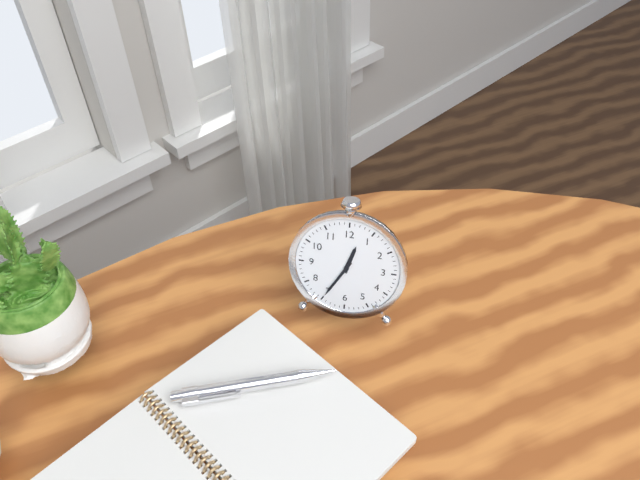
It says 12.35
